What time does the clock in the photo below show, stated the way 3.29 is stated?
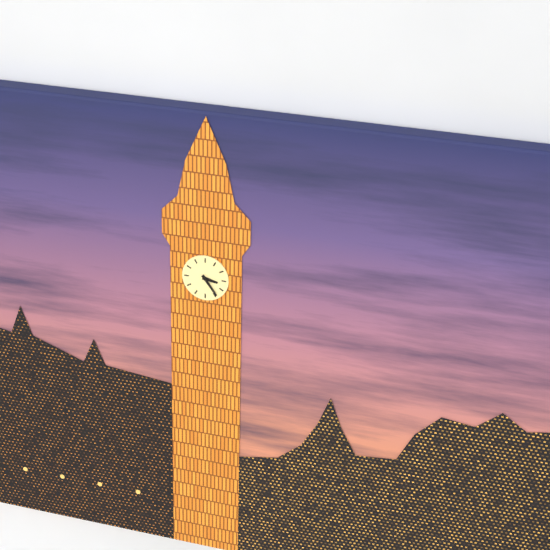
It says 3.24
